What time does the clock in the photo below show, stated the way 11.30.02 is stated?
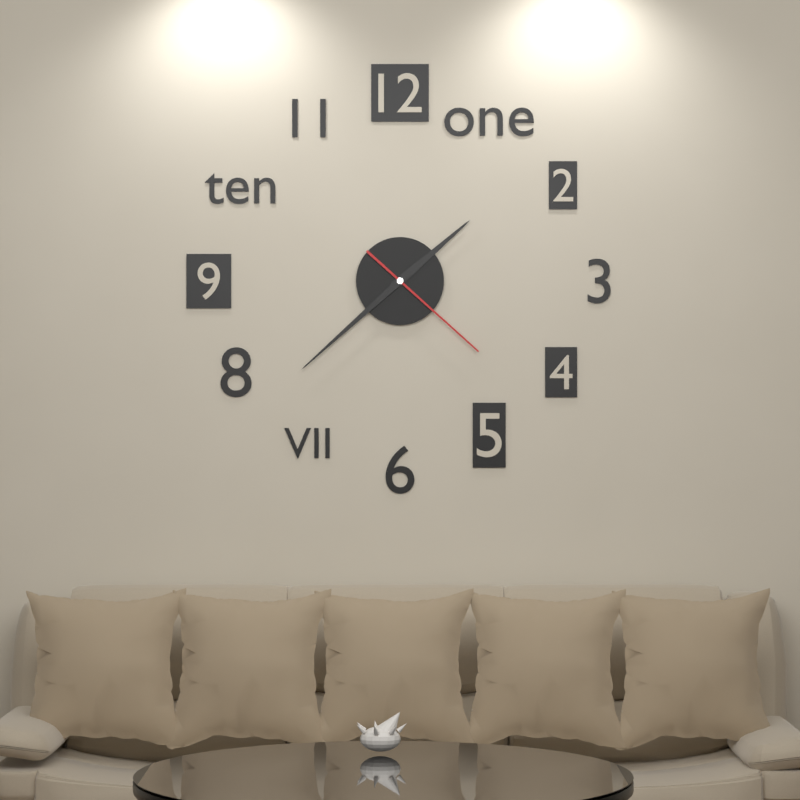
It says 1.38.22
